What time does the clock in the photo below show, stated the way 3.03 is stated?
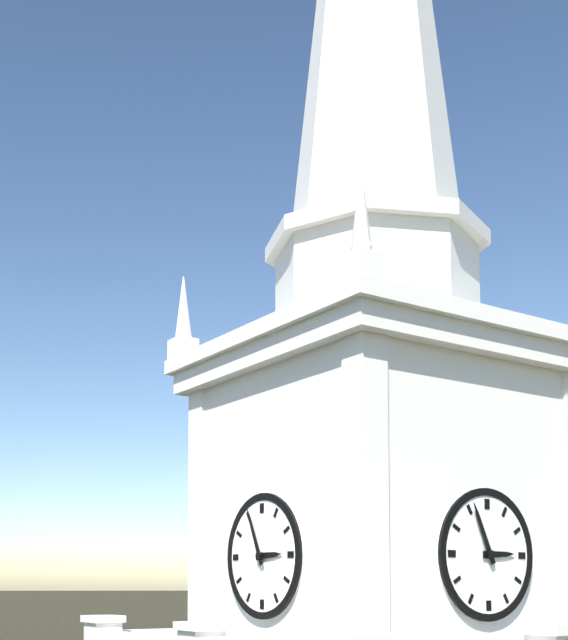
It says 2.56
